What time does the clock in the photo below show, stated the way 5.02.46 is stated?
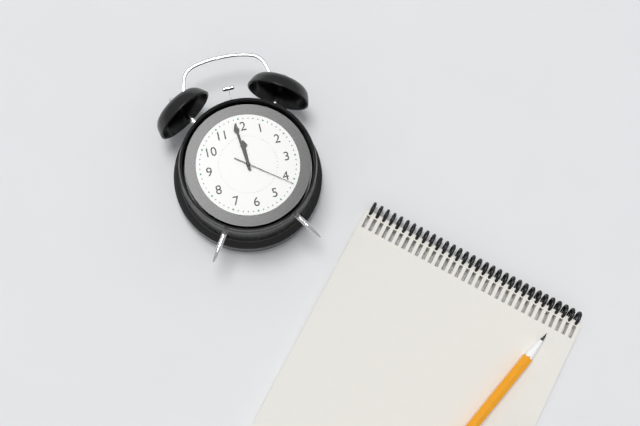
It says 11.59.21
